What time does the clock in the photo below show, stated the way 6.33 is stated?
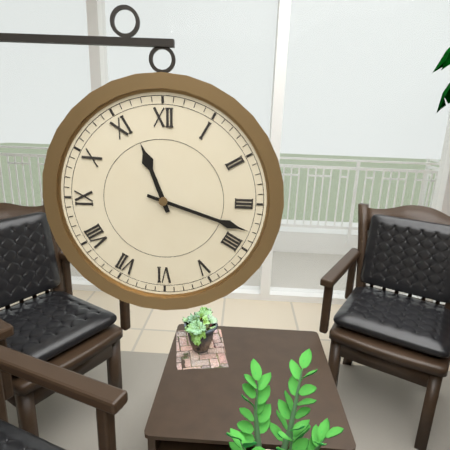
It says 11.18
